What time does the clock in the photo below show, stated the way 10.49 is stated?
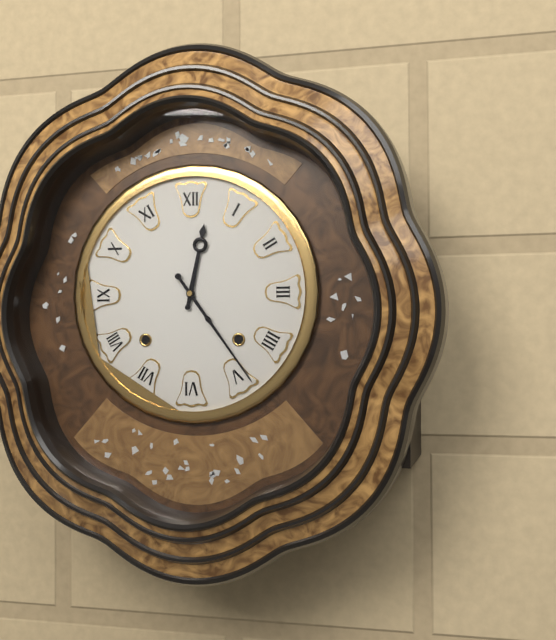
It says 12.24
